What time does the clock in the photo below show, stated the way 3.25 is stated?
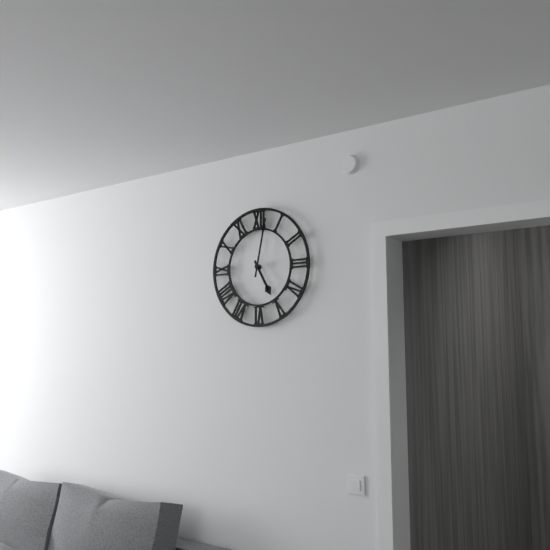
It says 5.02
